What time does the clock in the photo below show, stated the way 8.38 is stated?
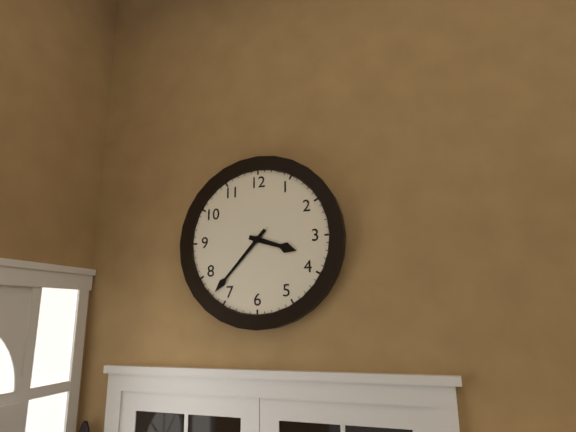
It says 3.37
